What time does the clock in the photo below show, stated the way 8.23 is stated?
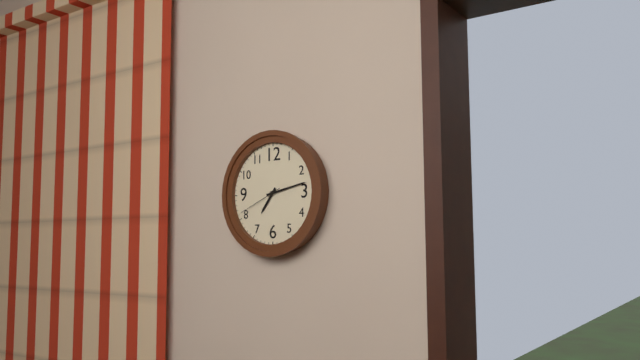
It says 7.13
